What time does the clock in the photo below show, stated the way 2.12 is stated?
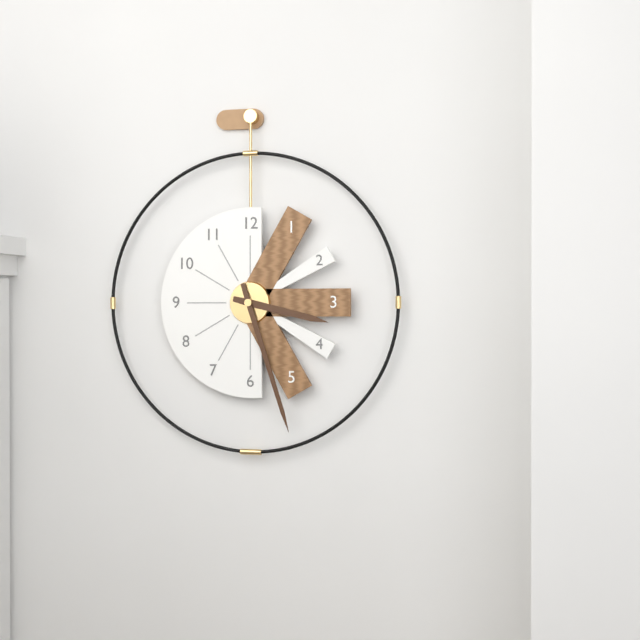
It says 3.27
